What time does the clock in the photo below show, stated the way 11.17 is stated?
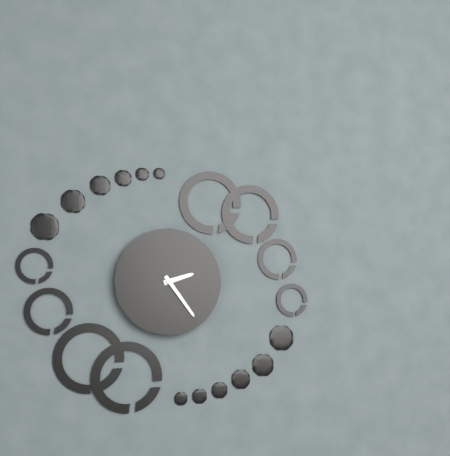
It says 2.24
